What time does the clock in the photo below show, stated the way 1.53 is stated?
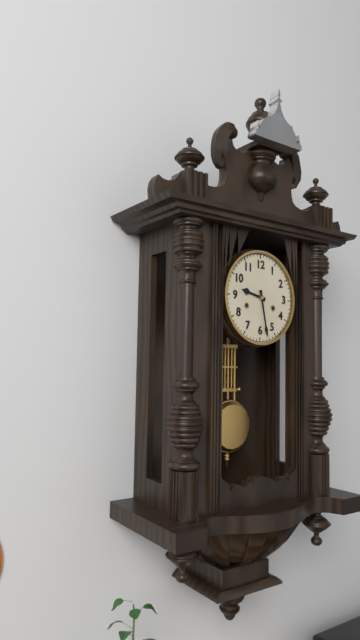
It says 9.28
